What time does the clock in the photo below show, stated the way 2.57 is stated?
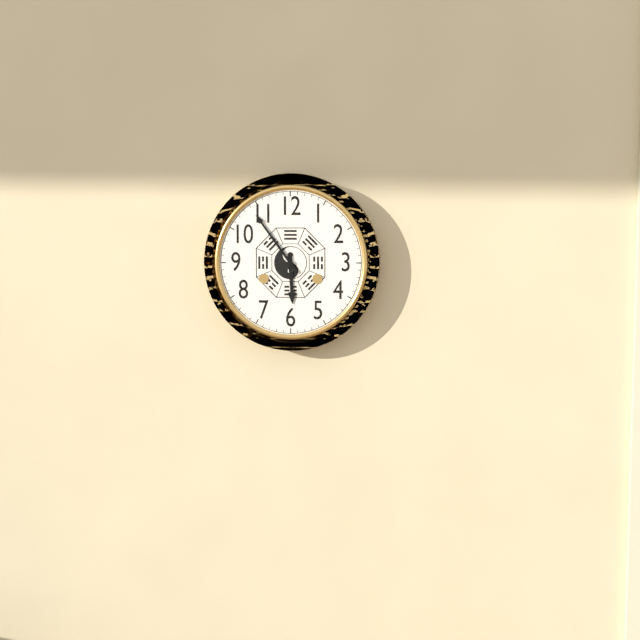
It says 5.54
